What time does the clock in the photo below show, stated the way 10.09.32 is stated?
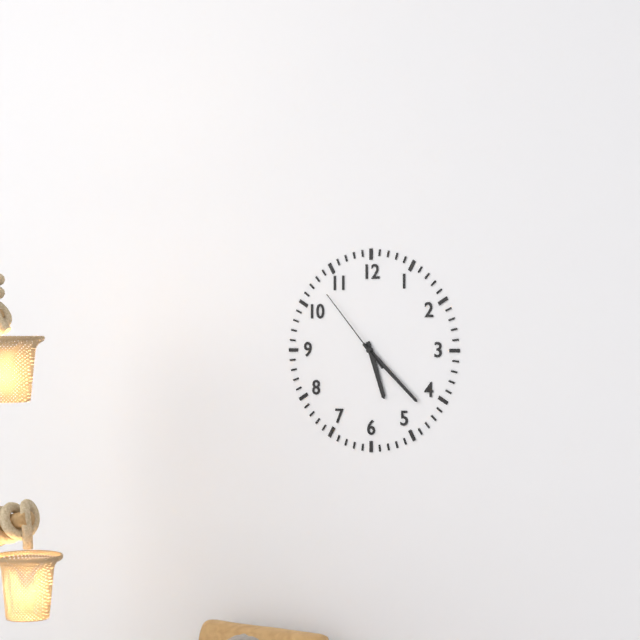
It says 5.22.53
